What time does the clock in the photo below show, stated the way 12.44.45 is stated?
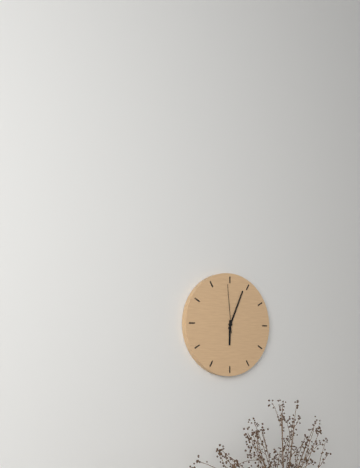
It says 6.04.59
